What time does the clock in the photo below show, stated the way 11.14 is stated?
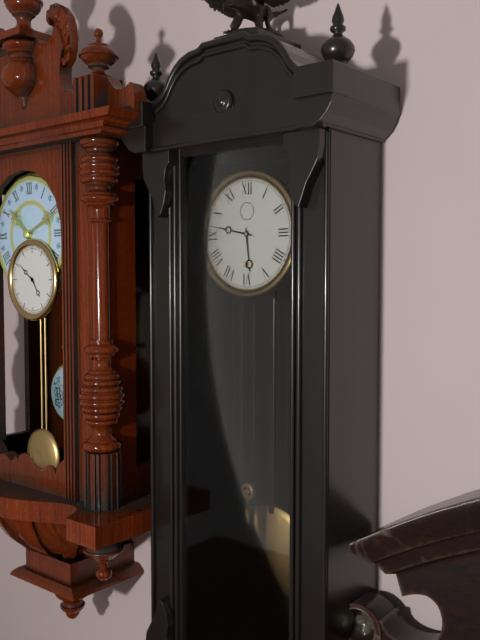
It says 5.47
